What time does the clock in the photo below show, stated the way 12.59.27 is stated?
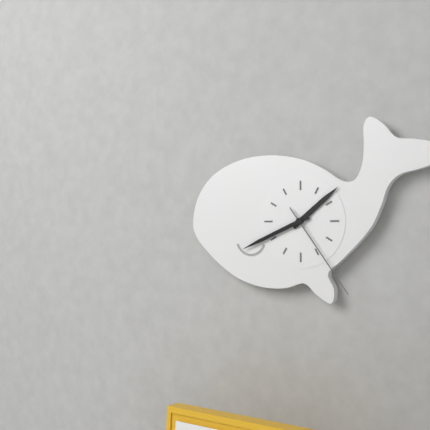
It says 1.41.24
